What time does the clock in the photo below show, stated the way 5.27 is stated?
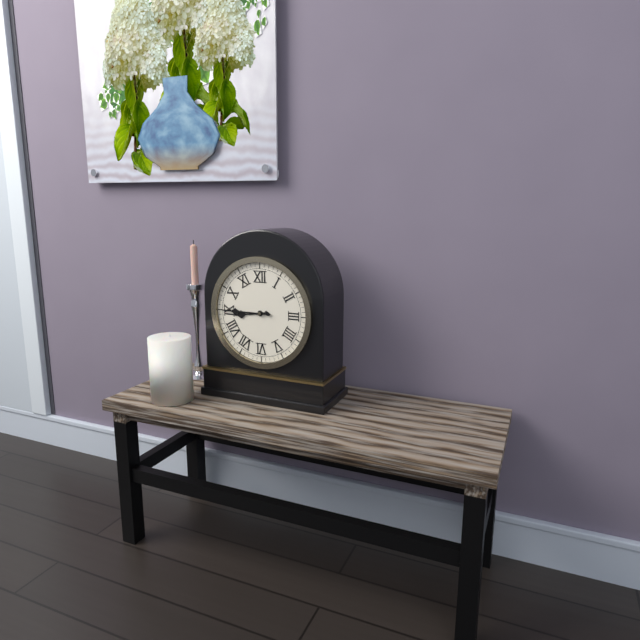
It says 8.45
